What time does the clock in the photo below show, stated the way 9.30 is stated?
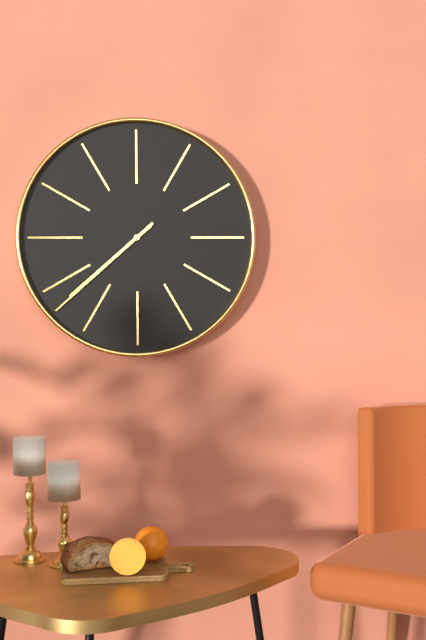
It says 7.38
